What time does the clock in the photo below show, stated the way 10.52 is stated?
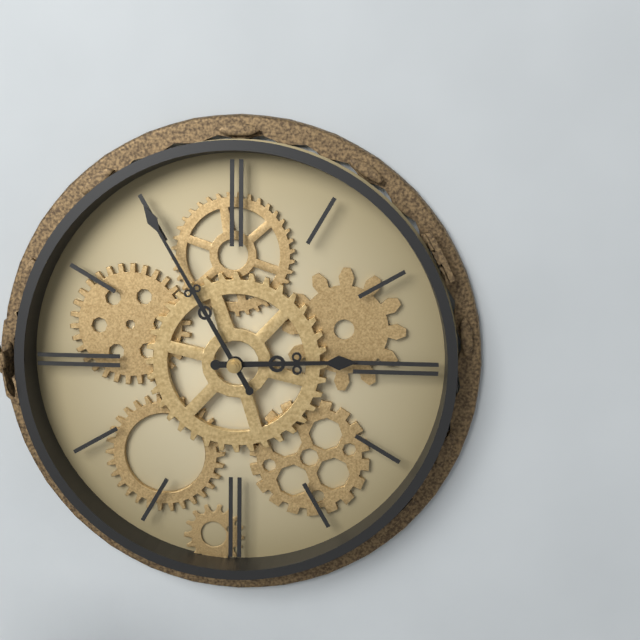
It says 2.55
